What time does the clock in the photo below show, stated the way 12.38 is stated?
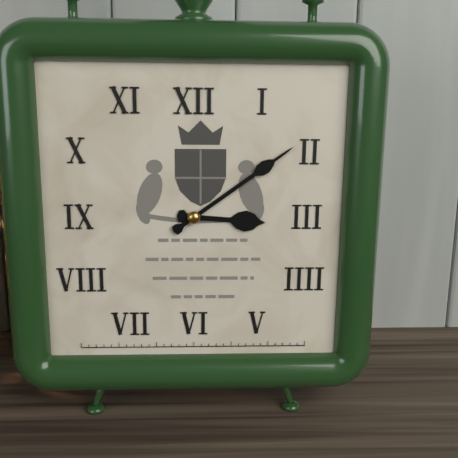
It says 3.09
